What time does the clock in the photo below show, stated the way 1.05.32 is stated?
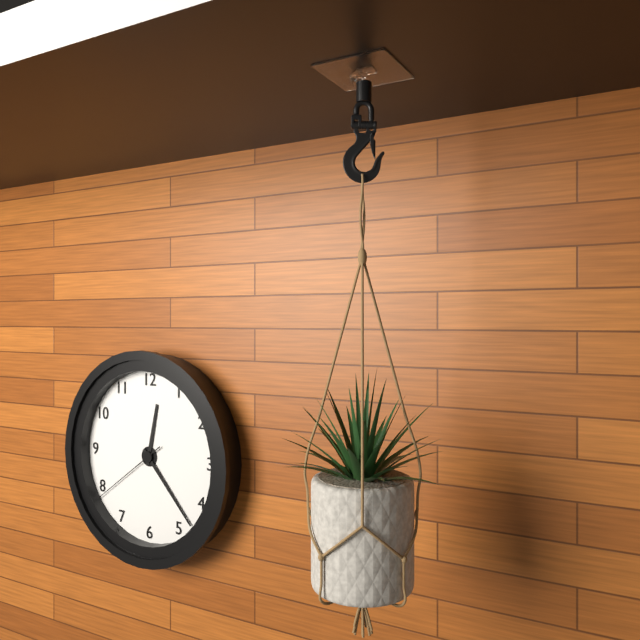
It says 12.23.39
